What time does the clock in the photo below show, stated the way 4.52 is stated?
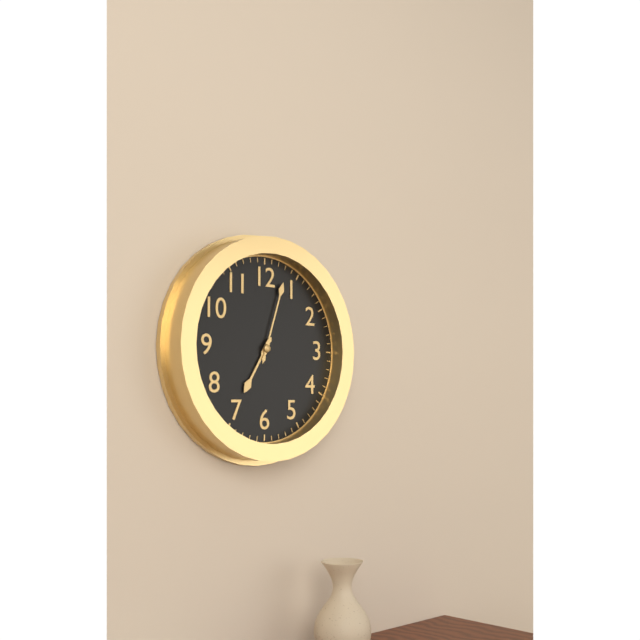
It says 7.03
